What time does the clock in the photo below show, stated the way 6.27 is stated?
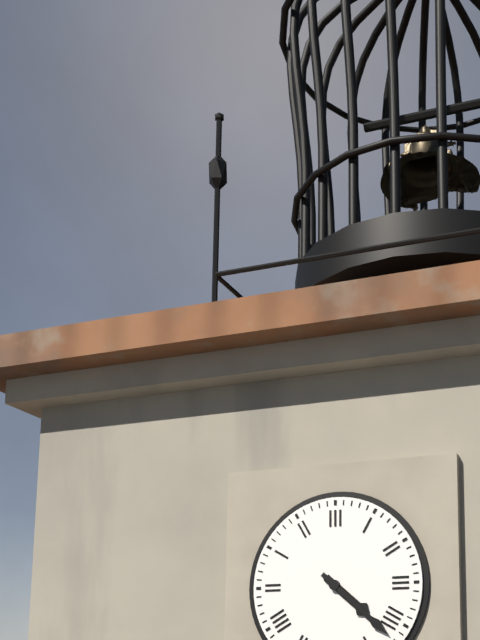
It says 4.22
